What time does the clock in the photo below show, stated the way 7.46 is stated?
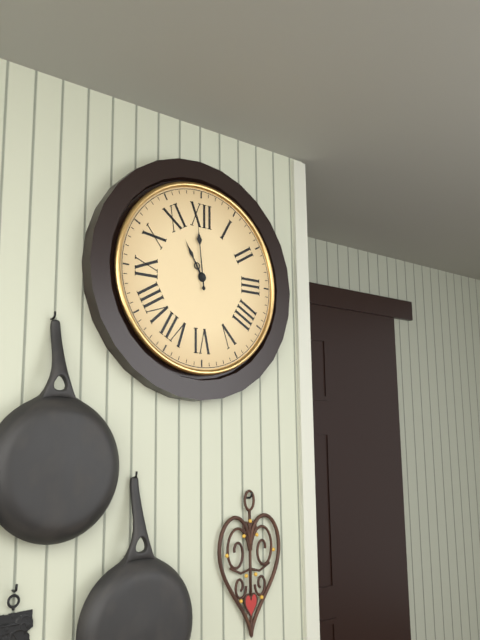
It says 10.59
